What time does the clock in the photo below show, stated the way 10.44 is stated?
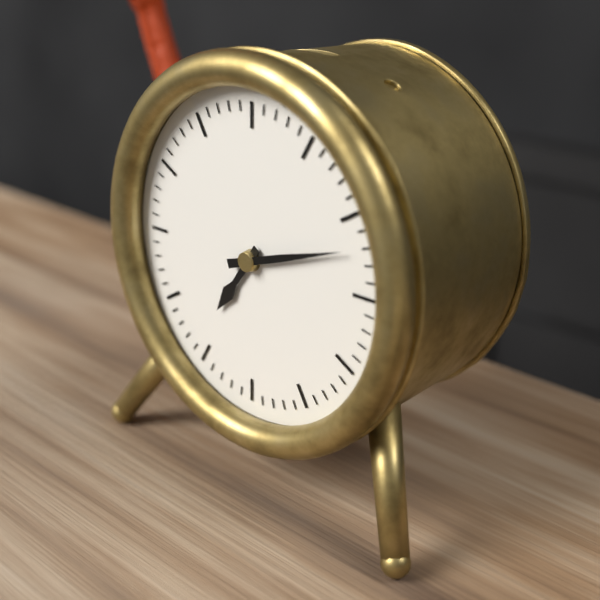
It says 7.12
